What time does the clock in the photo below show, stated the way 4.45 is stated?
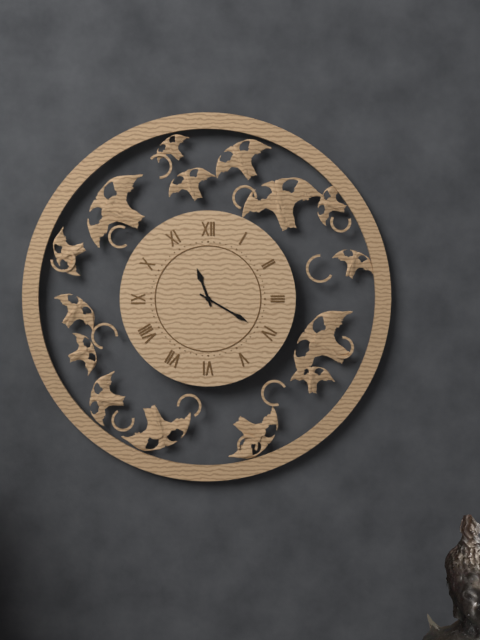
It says 11.20
